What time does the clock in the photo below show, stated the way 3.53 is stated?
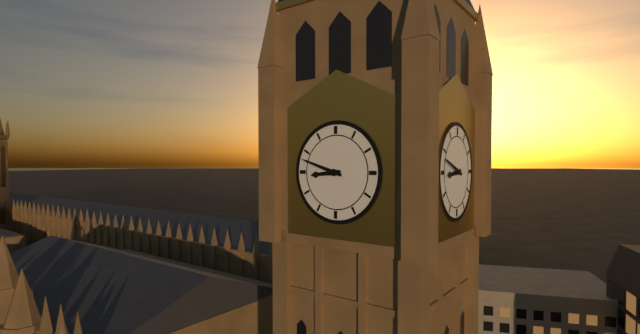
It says 8.48
